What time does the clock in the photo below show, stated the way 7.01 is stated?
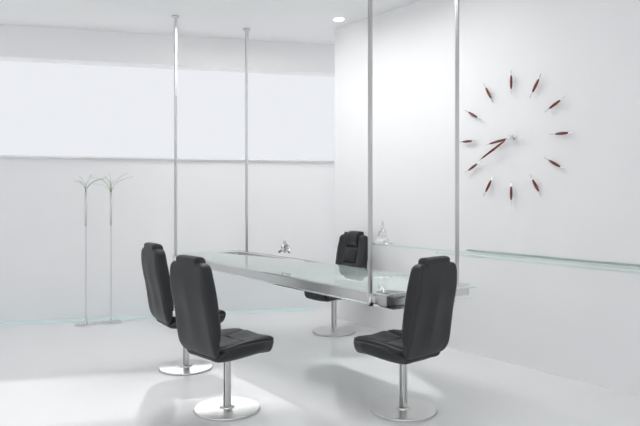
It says 8.40
